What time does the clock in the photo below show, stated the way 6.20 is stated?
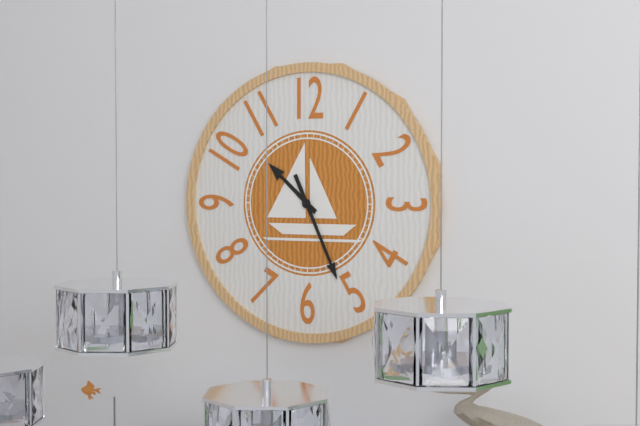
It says 10.26
